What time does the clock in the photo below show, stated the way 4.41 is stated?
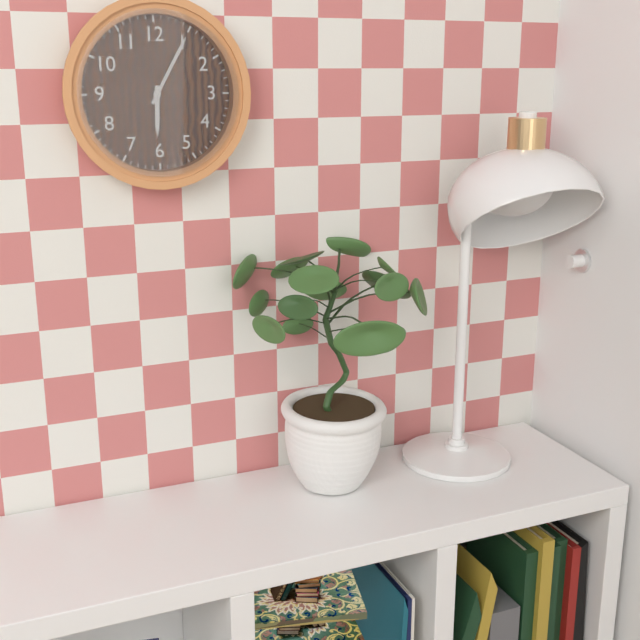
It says 6.05
